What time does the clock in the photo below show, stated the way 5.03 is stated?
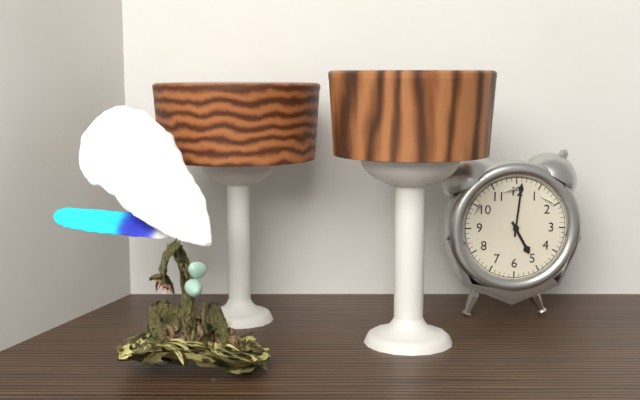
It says 5.01
